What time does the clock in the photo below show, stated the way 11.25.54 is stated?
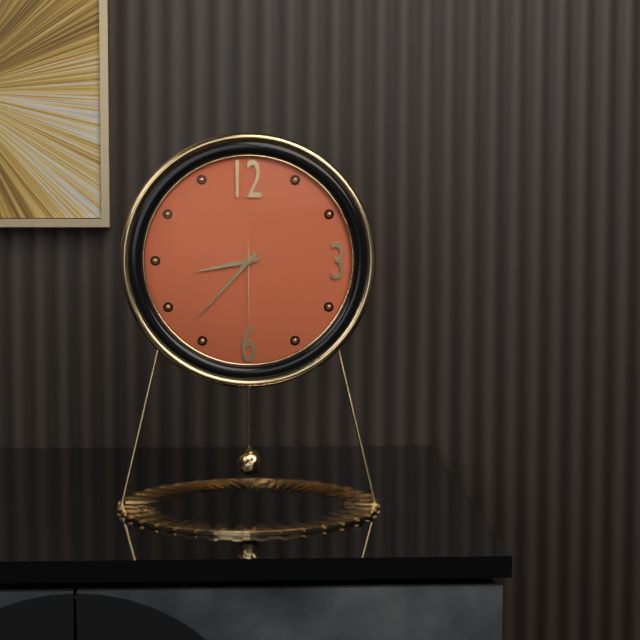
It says 8.37.30
